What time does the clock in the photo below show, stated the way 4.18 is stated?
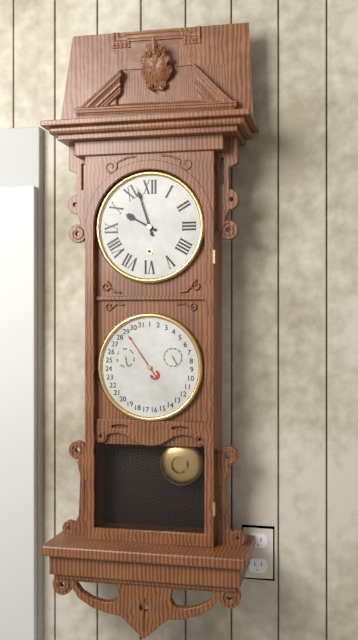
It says 9.57
